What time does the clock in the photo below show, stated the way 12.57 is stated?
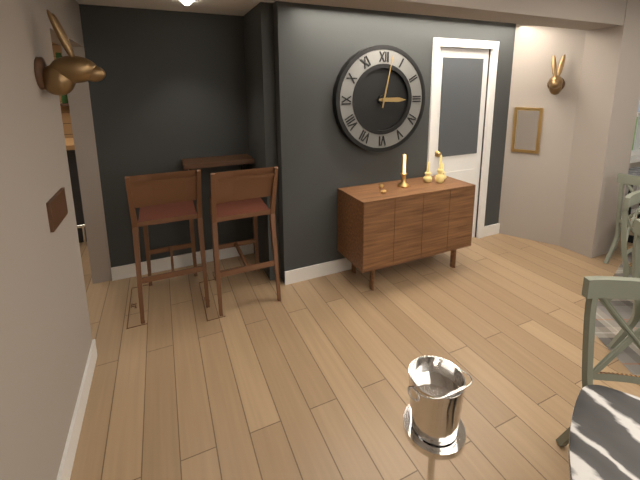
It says 3.02
